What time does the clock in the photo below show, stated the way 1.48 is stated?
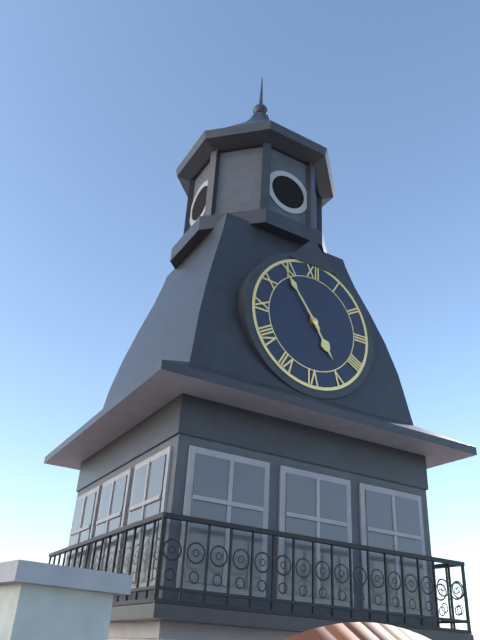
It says 4.54
